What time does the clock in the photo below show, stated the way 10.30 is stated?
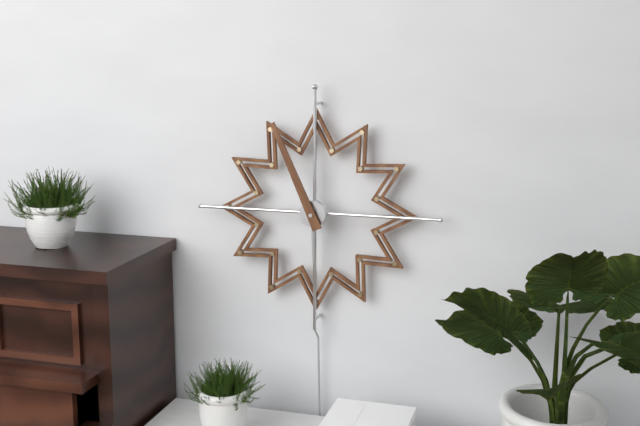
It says 5.56
